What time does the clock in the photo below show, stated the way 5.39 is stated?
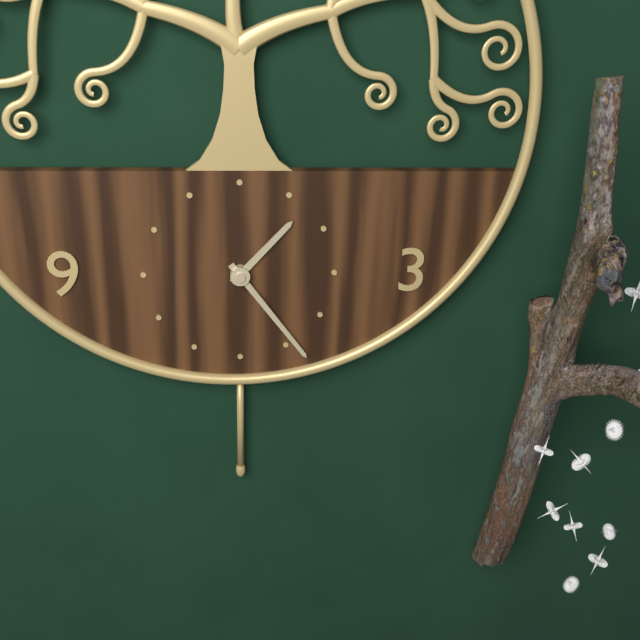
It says 1.24
